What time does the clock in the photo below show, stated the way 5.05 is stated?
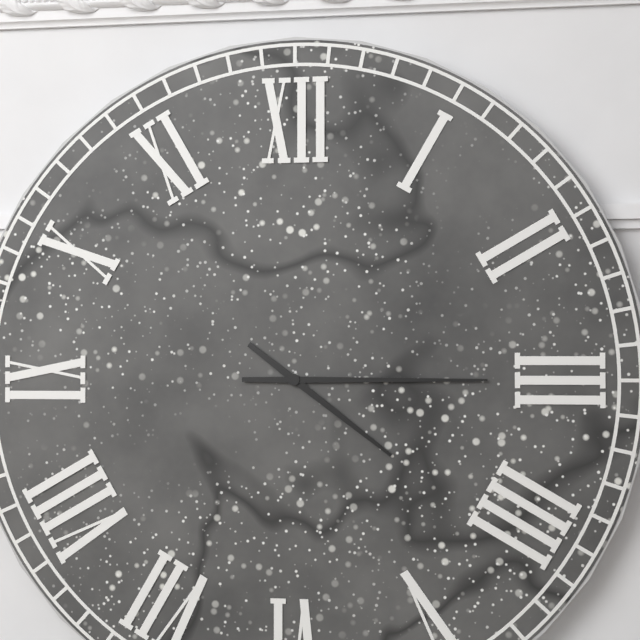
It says 4.15
